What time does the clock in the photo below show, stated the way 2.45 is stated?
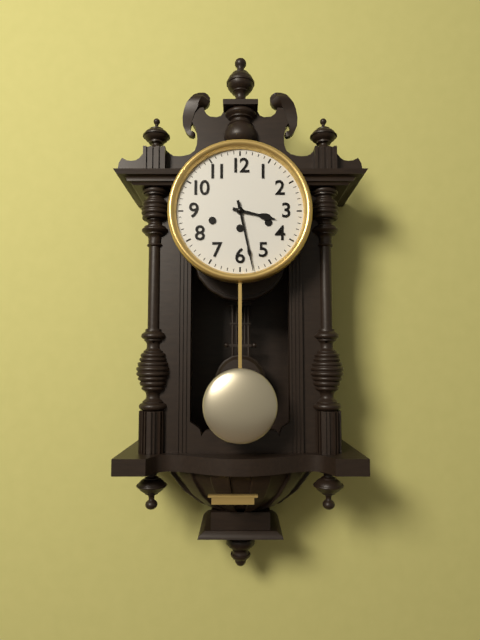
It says 3.28
